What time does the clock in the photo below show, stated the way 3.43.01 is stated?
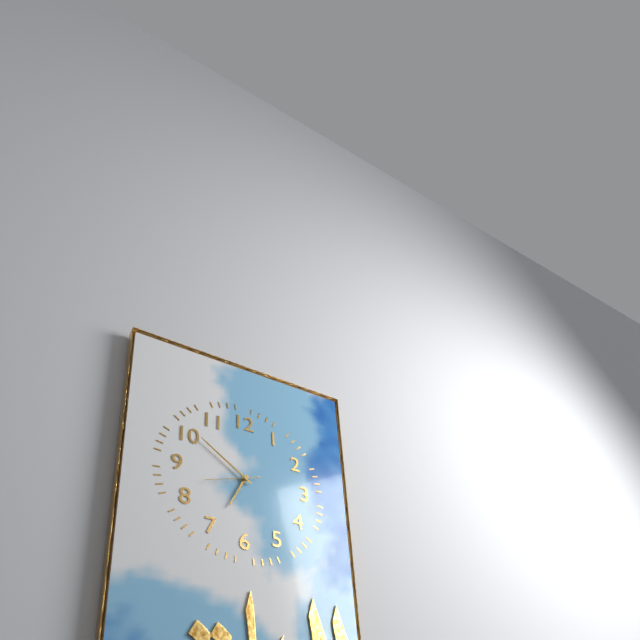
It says 6.51.42
